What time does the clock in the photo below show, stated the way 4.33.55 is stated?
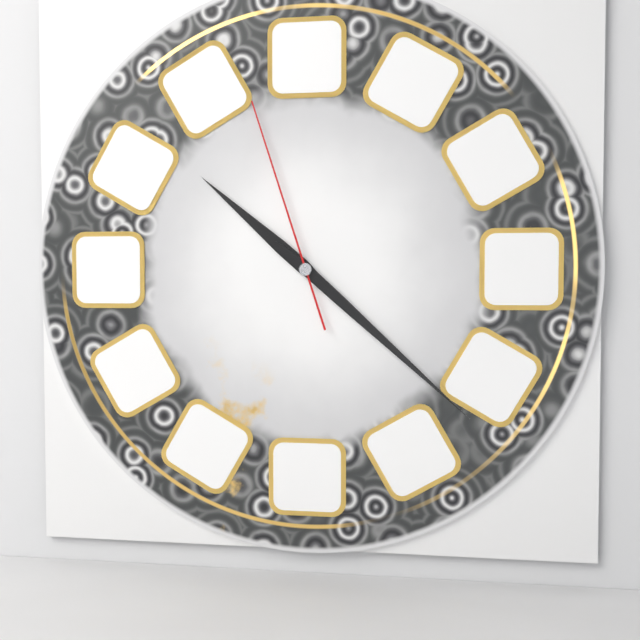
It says 10.22.57
